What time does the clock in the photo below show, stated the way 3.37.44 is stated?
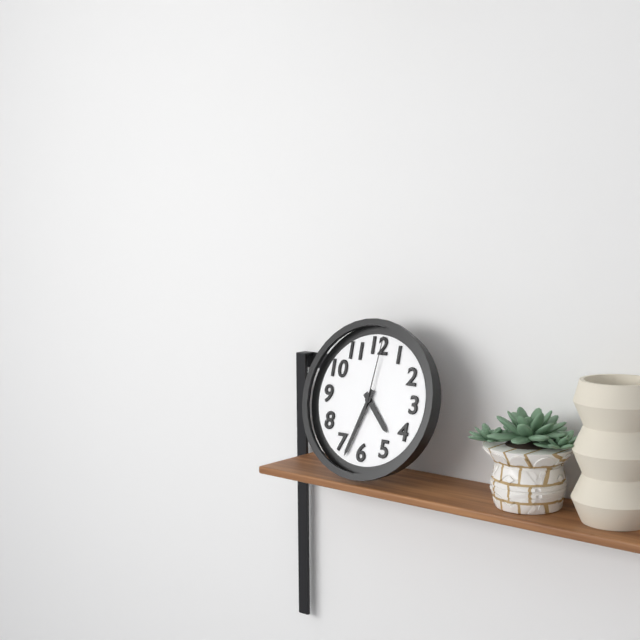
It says 4.33.01
